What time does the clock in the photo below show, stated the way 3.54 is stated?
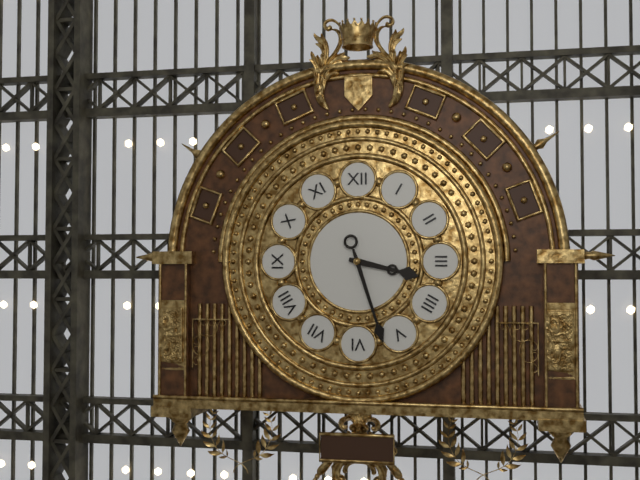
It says 3.27
